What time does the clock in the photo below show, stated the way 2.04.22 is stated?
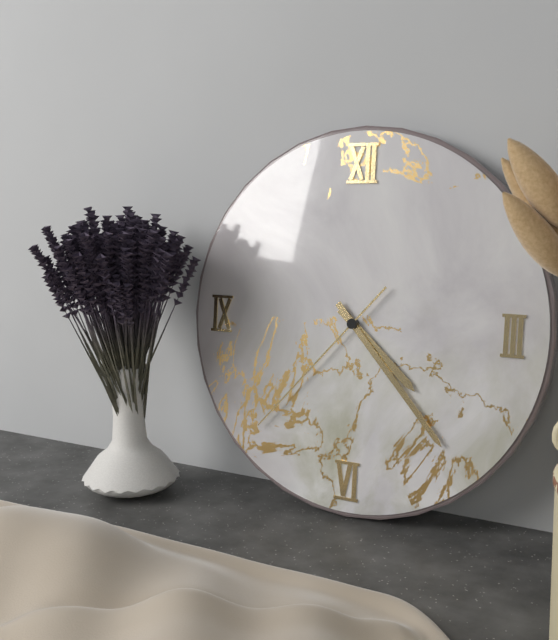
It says 4.23.37
